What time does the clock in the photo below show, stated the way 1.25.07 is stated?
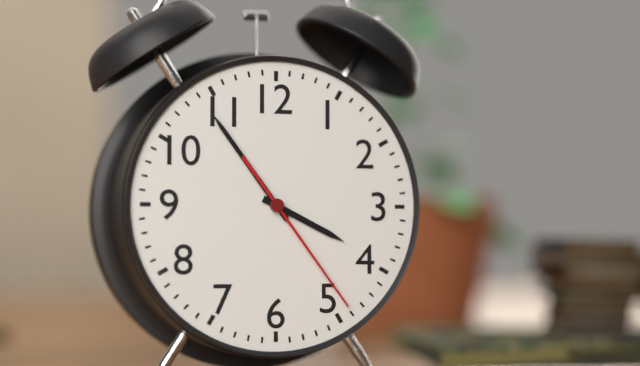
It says 3.54.24
